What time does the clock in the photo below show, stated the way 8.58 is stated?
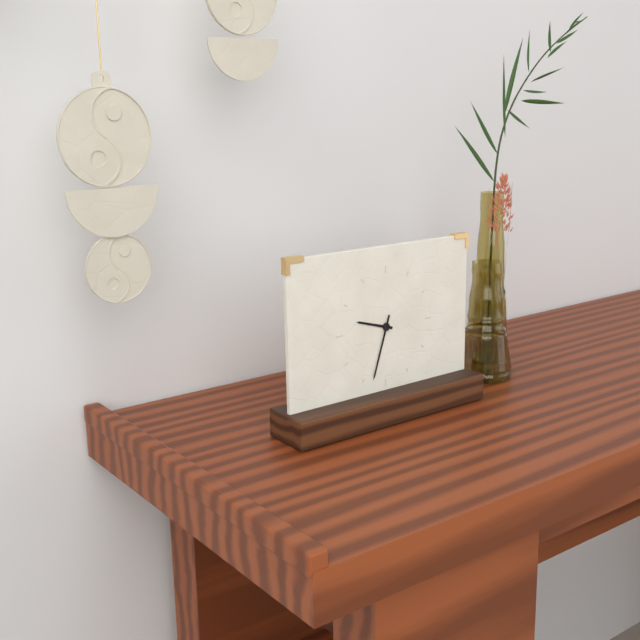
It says 9.33
